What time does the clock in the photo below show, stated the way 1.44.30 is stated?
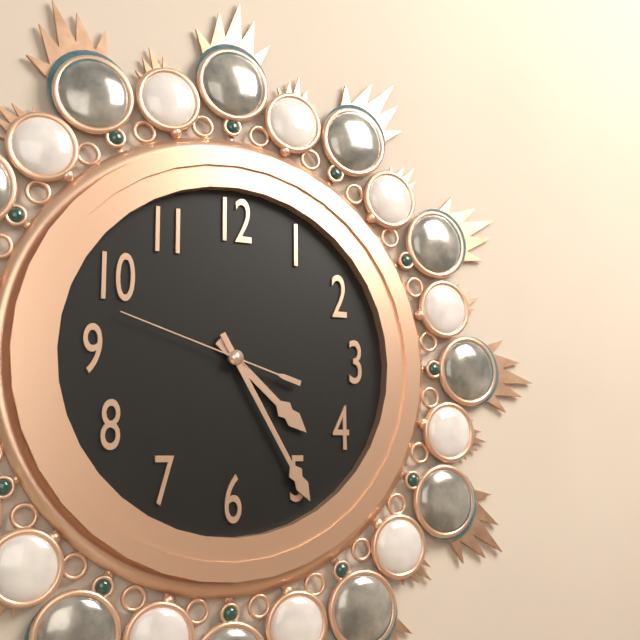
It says 4.25.48
